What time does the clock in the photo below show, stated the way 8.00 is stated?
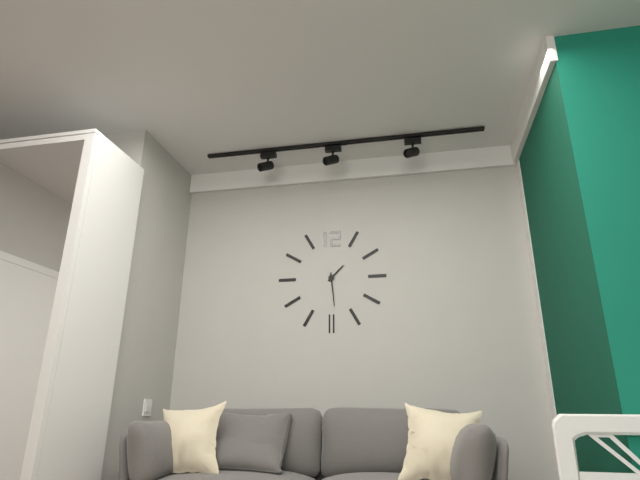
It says 1.29
